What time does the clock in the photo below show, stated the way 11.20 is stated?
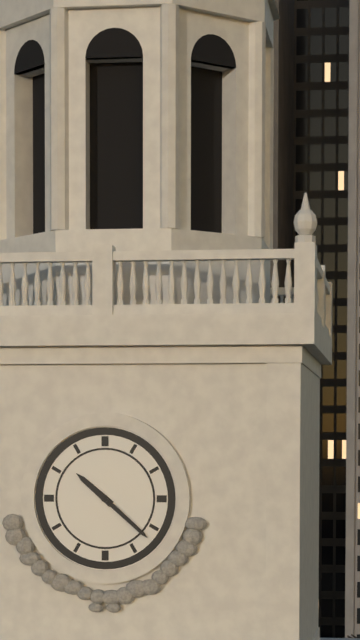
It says 10.22
